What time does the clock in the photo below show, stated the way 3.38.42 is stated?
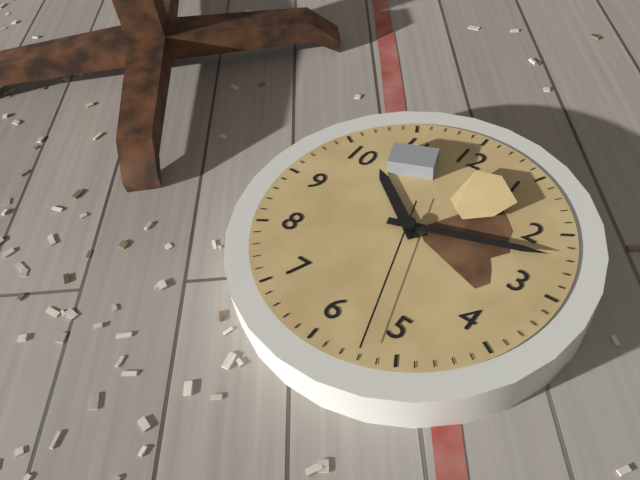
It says 10.12.27
